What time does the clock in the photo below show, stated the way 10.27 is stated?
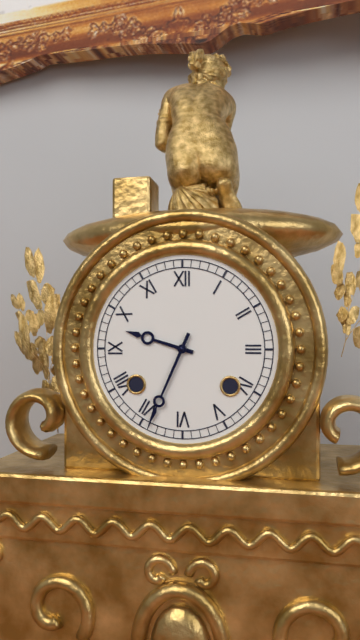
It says 9.34
